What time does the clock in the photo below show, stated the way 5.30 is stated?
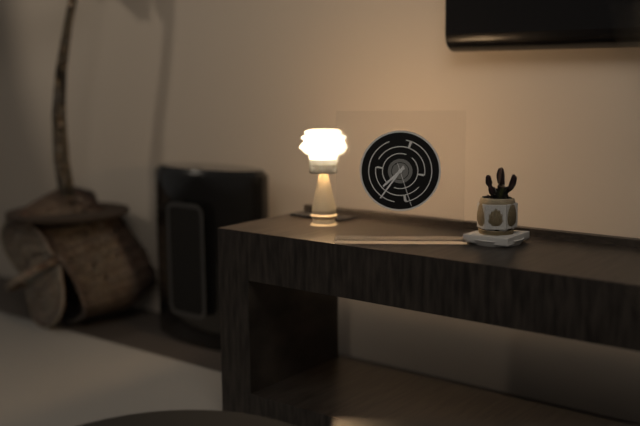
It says 7.36
